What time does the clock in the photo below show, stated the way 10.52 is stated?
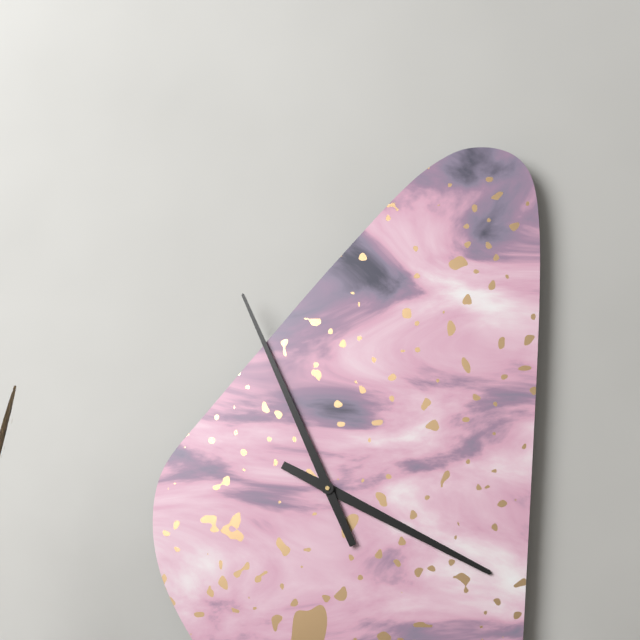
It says 3.56
